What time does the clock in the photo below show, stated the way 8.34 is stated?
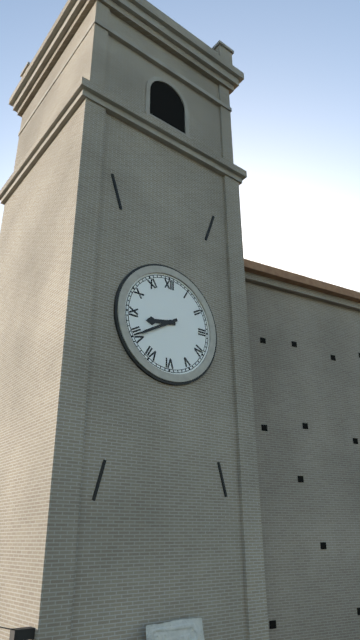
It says 8.40
